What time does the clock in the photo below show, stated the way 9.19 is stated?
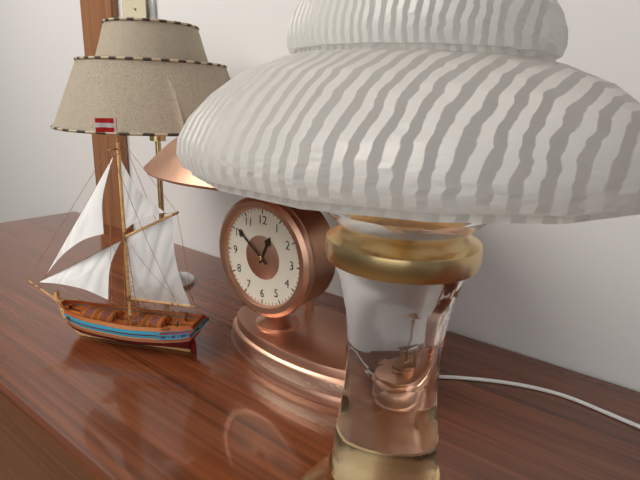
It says 12.51
